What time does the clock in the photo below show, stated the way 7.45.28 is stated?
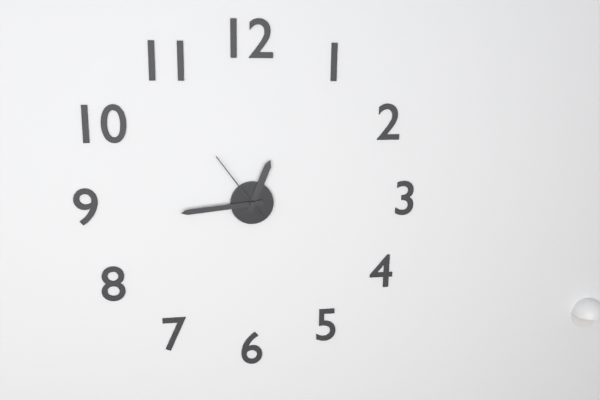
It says 12.44.54
